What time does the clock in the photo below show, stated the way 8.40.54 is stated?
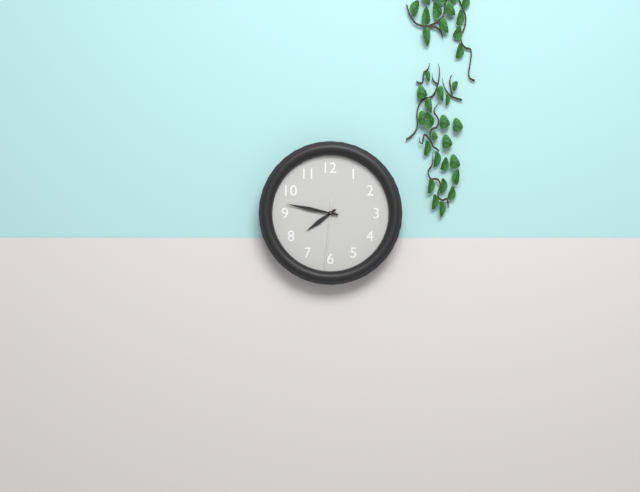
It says 7.47.31
